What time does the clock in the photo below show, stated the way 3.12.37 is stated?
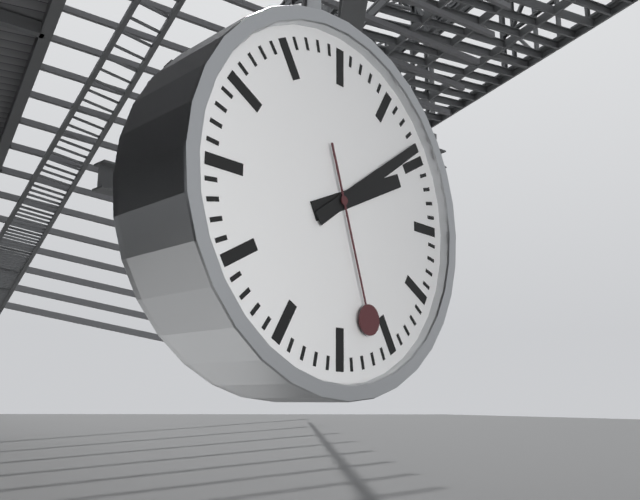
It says 2.09.27
